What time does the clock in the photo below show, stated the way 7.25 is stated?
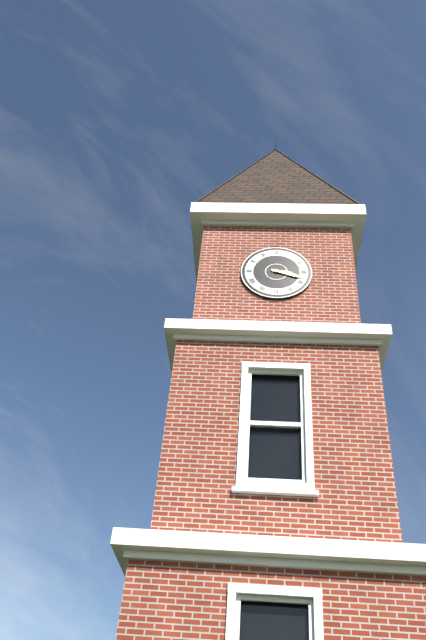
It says 3.18
